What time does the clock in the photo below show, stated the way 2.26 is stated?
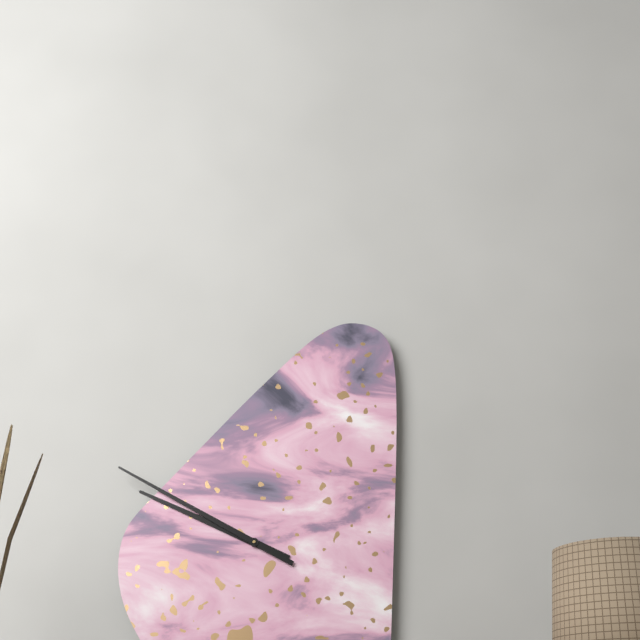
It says 9.50
